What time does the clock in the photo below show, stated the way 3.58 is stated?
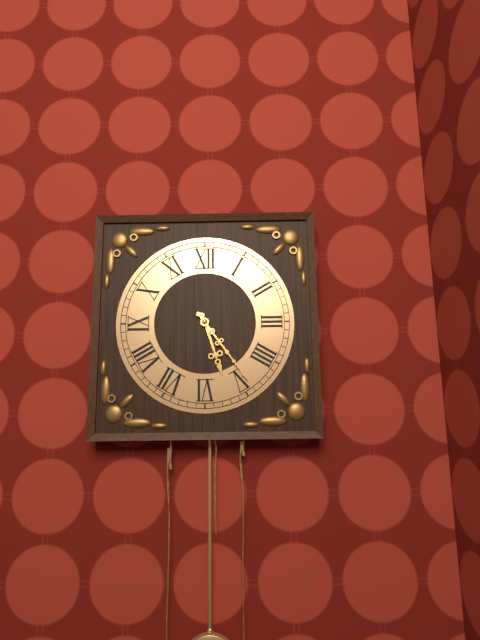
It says 5.24
